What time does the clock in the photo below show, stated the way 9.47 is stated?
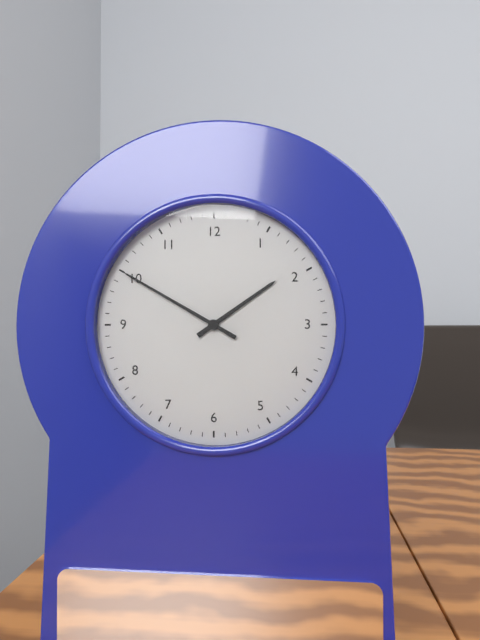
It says 1.50
